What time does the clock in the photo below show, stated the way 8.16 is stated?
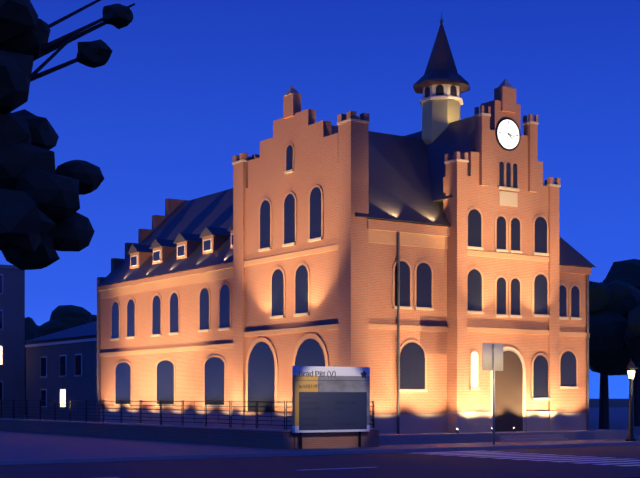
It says 4.17
